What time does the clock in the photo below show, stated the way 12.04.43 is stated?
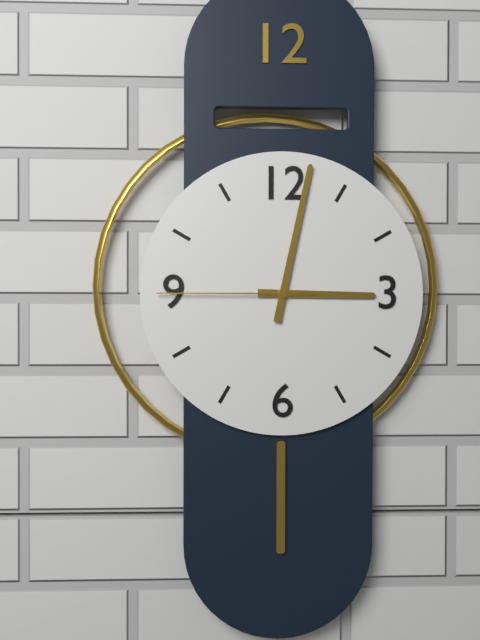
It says 3.02.45
